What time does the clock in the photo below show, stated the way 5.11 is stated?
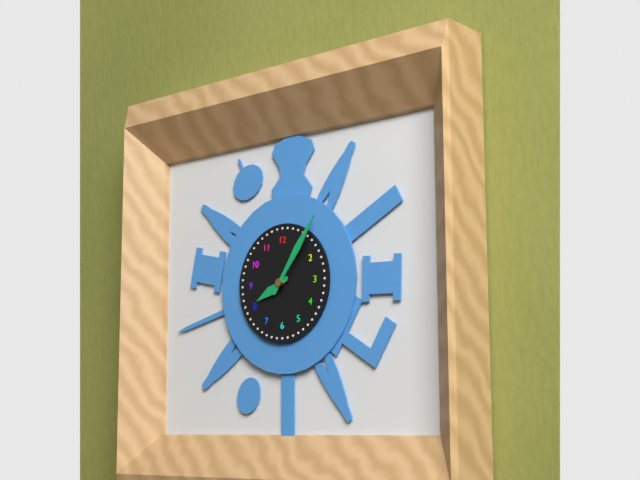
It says 8.06
